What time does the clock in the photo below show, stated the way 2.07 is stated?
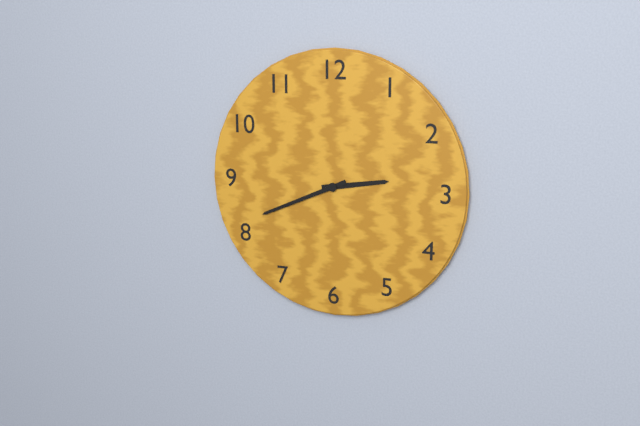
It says 2.41
